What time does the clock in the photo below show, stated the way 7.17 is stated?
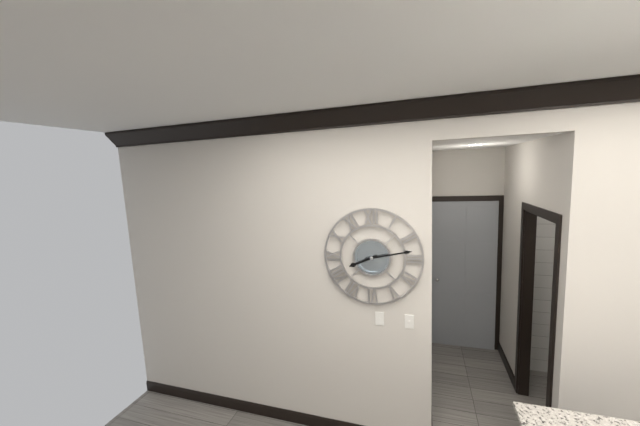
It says 8.13
